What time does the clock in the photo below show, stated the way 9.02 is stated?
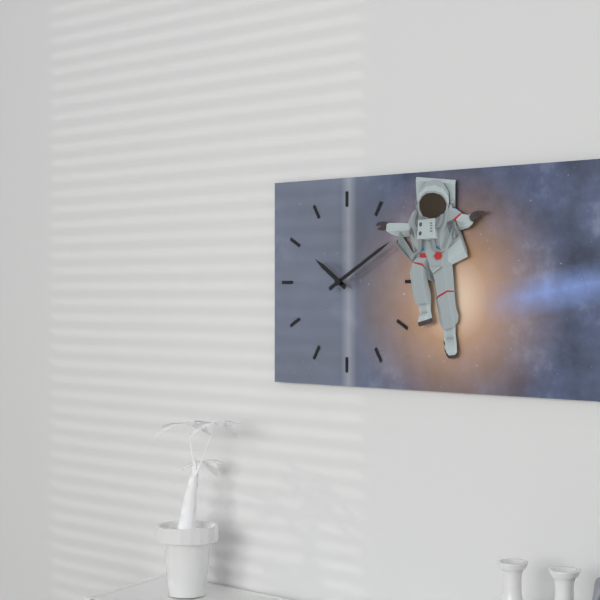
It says 10.10
